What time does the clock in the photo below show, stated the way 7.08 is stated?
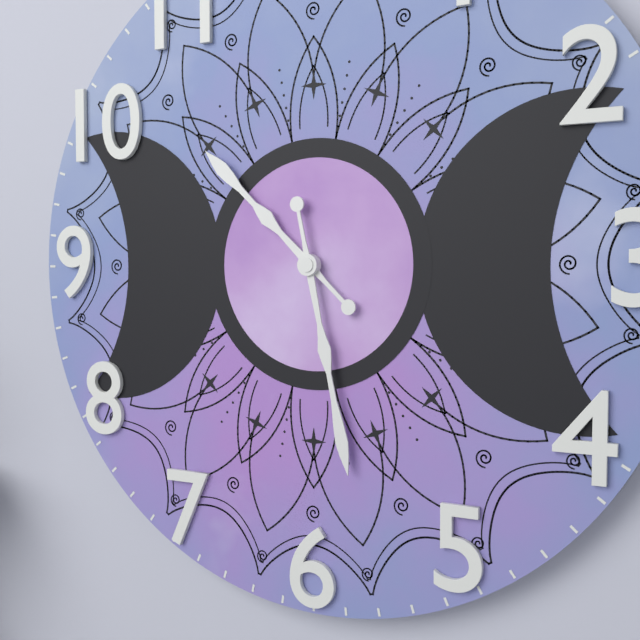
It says 10.28
